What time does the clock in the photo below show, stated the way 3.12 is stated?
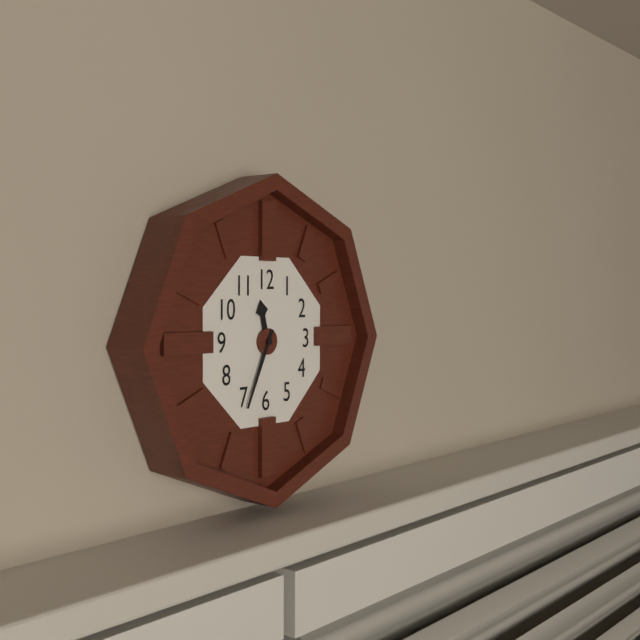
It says 11.34
